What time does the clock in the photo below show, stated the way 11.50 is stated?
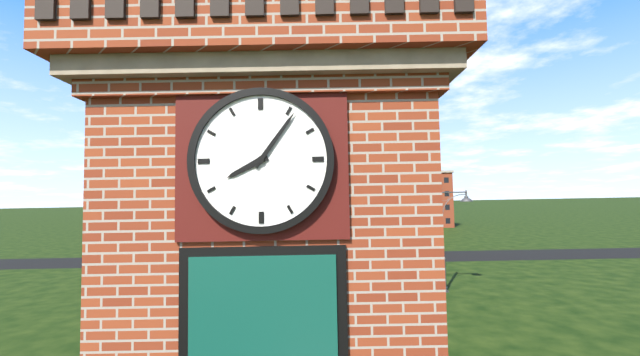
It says 8.06
